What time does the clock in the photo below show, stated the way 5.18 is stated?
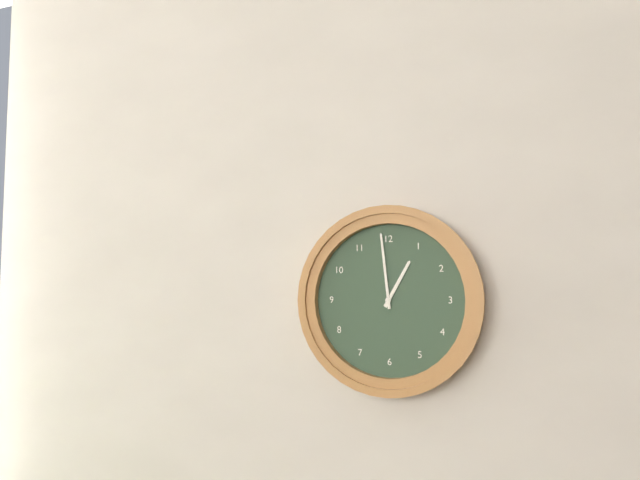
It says 12.59
